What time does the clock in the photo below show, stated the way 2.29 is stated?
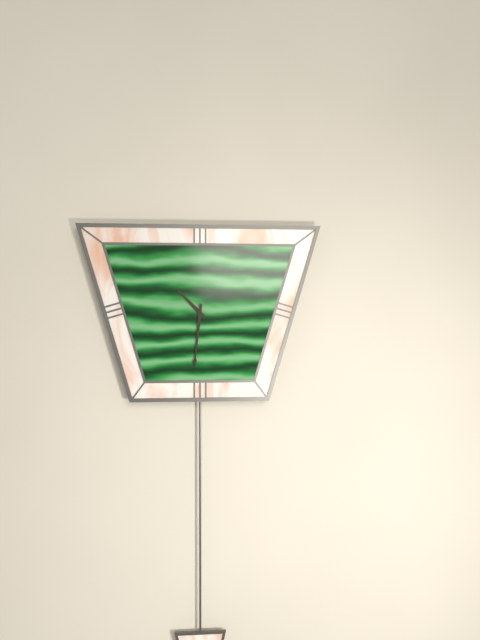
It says 10.31
